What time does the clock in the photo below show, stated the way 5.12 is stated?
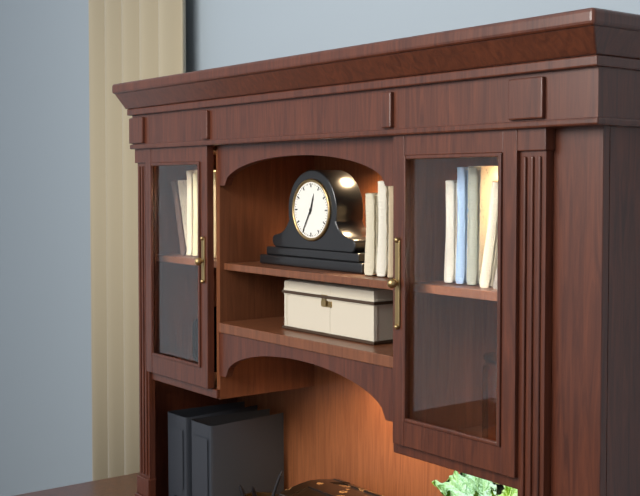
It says 12.35
